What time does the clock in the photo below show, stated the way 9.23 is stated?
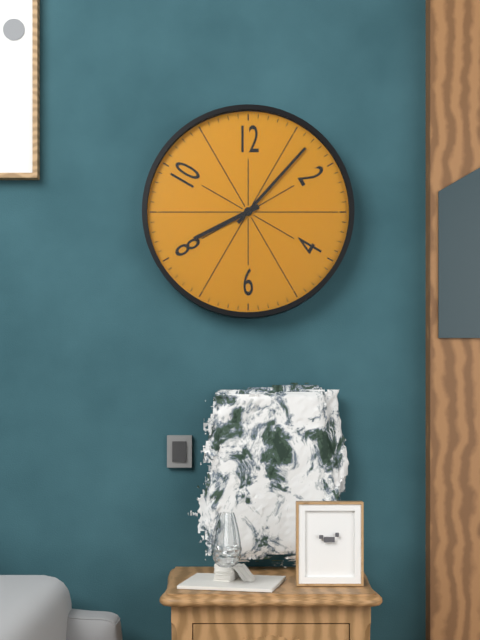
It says 8.07
